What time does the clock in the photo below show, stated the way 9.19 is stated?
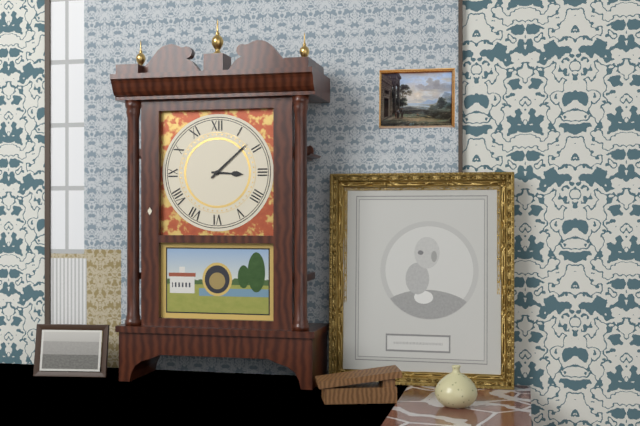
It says 3.08
